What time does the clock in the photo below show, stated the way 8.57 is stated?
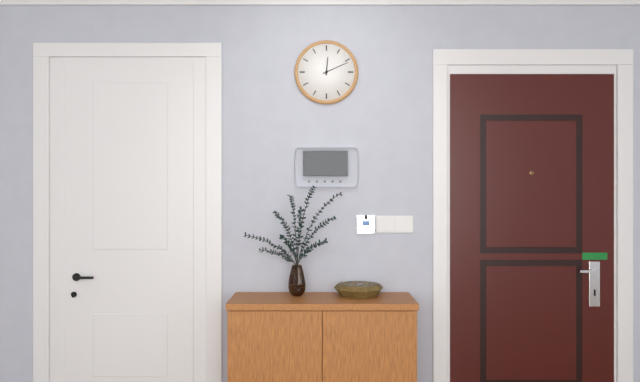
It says 12.11
